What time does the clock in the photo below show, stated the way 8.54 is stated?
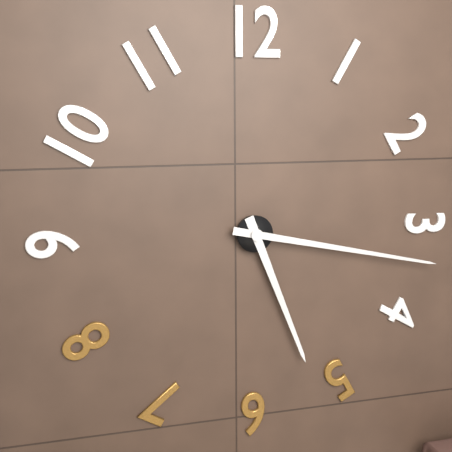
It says 5.17
